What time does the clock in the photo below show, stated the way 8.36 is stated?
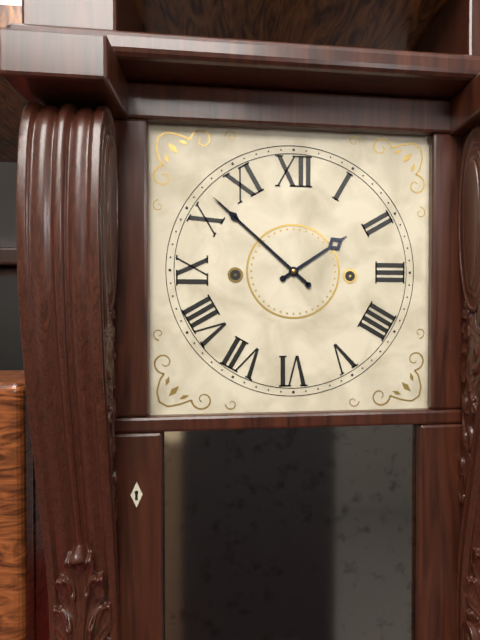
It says 1.52
